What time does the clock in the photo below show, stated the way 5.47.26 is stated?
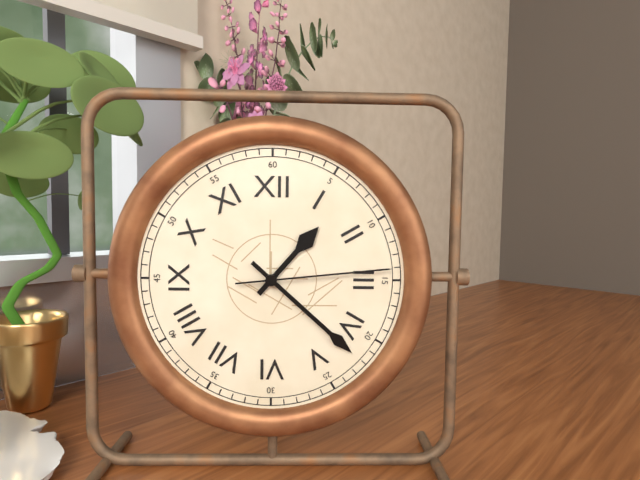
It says 1.22.14
